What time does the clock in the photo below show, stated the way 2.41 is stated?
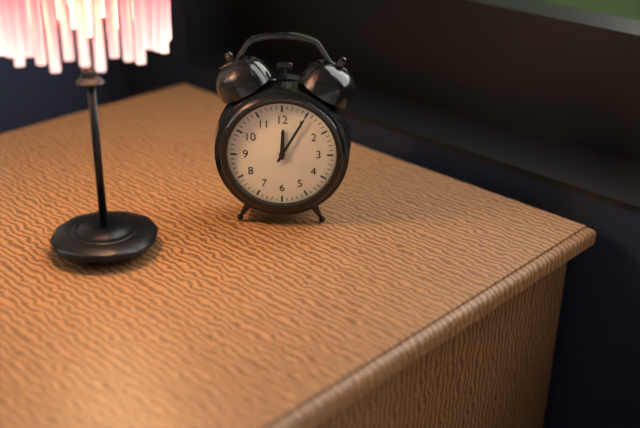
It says 12.05
